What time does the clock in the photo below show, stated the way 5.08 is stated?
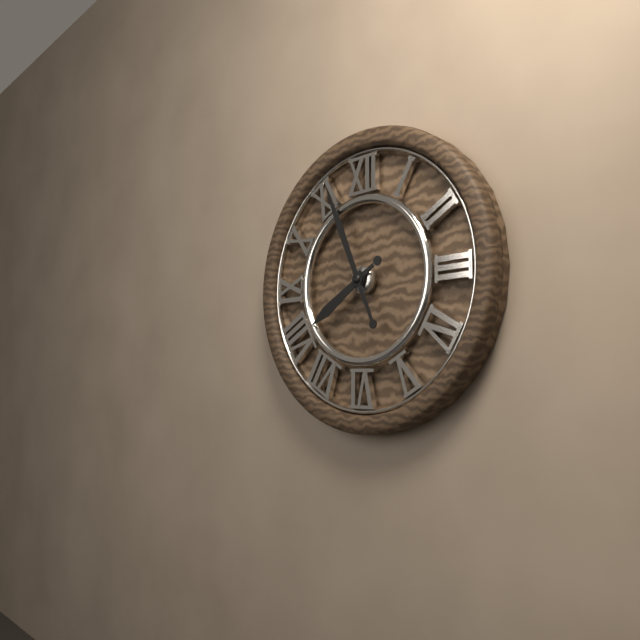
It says 7.56
